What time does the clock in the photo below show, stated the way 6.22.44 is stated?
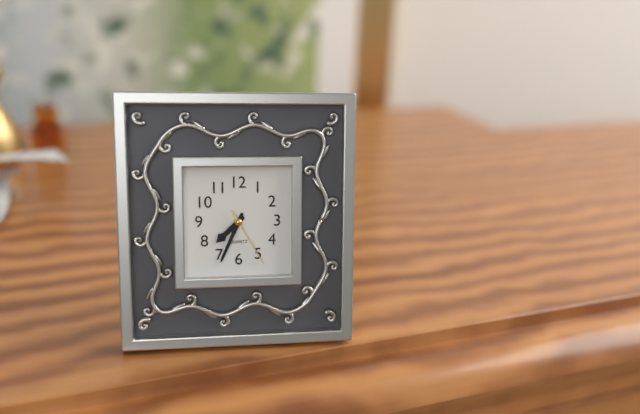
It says 7.34.25
